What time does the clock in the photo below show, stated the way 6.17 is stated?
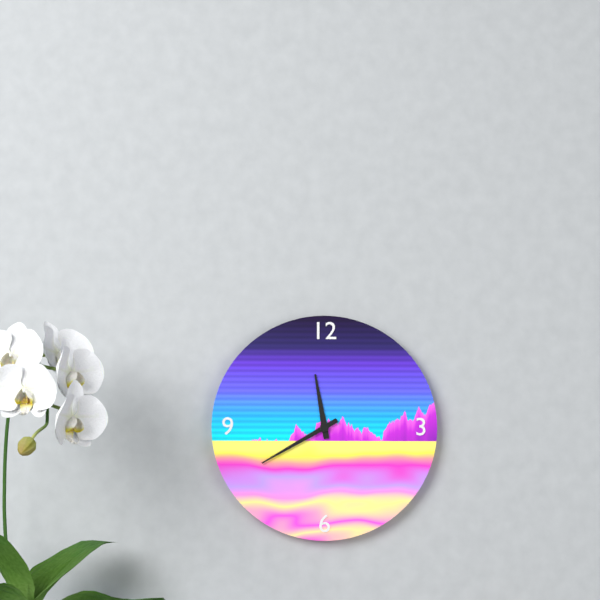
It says 11.40
